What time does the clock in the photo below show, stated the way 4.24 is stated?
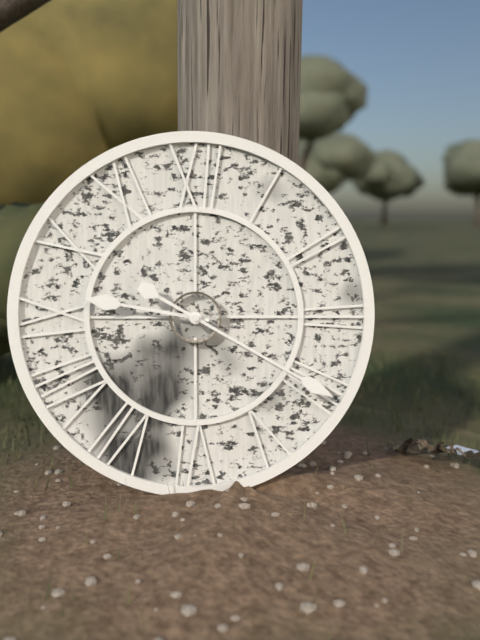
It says 9.20
